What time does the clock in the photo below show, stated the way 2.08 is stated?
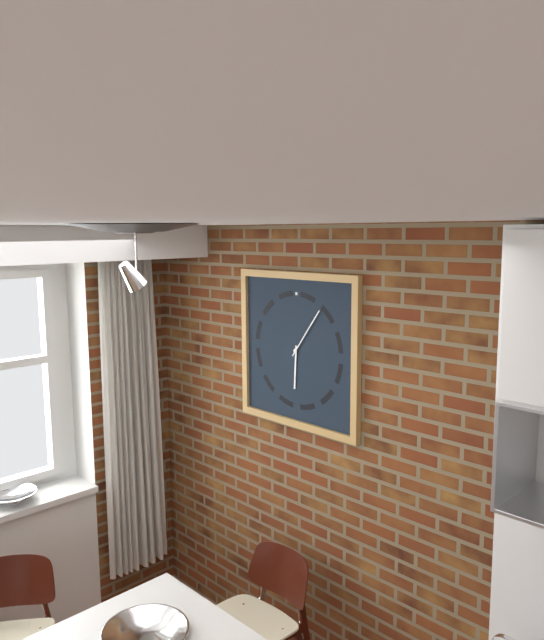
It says 6.06
